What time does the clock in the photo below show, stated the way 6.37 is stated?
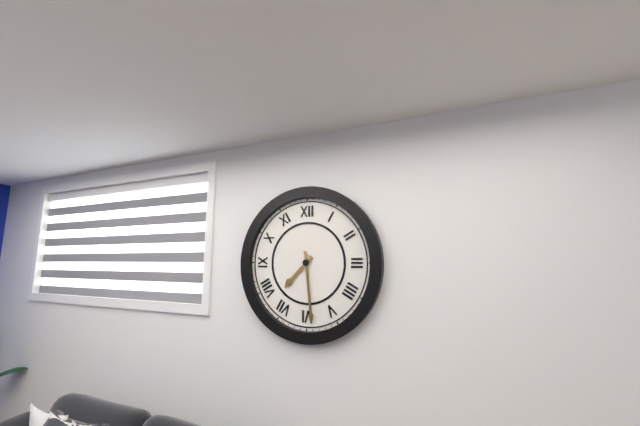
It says 7.29
